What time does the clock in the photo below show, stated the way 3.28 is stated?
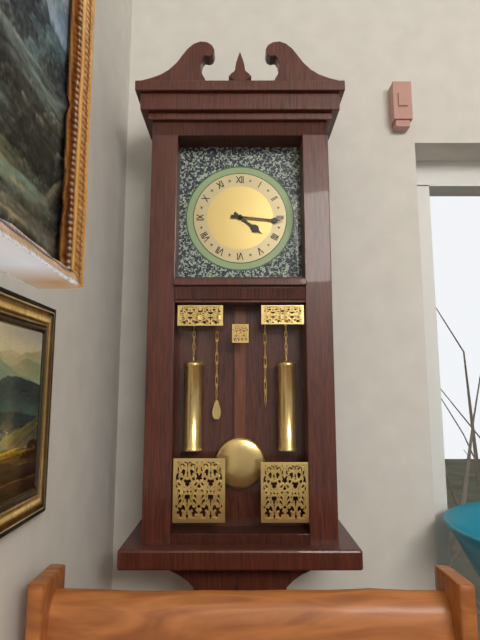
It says 4.16
